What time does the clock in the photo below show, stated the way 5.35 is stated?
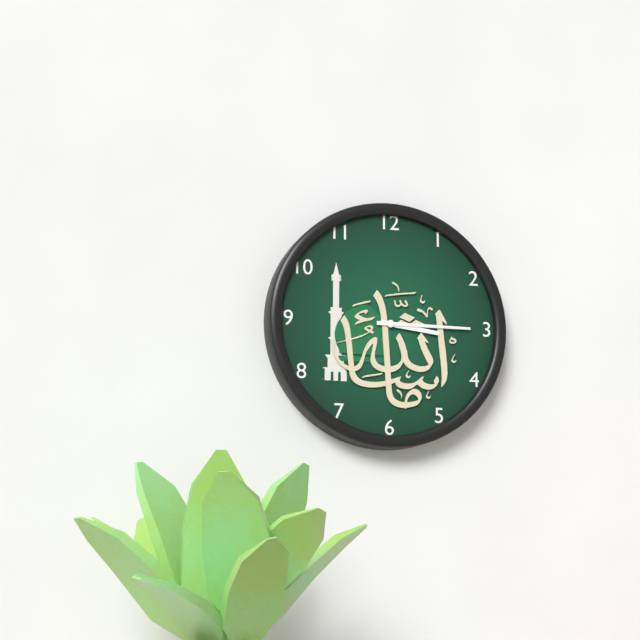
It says 3.15
